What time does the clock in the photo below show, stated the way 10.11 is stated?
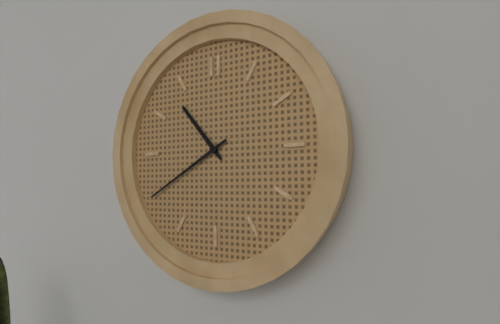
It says 10.40
